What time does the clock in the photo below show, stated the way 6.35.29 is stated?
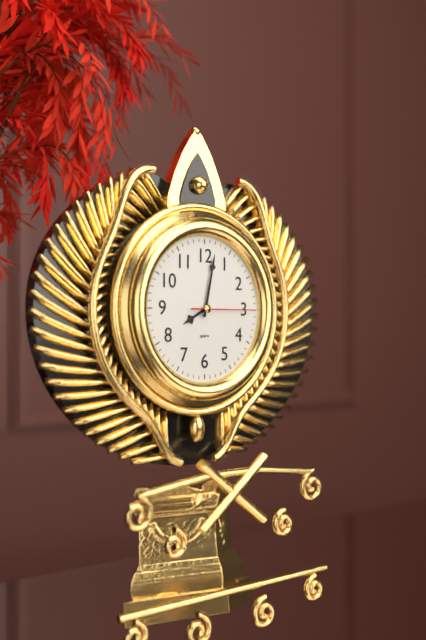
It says 8.02.15
